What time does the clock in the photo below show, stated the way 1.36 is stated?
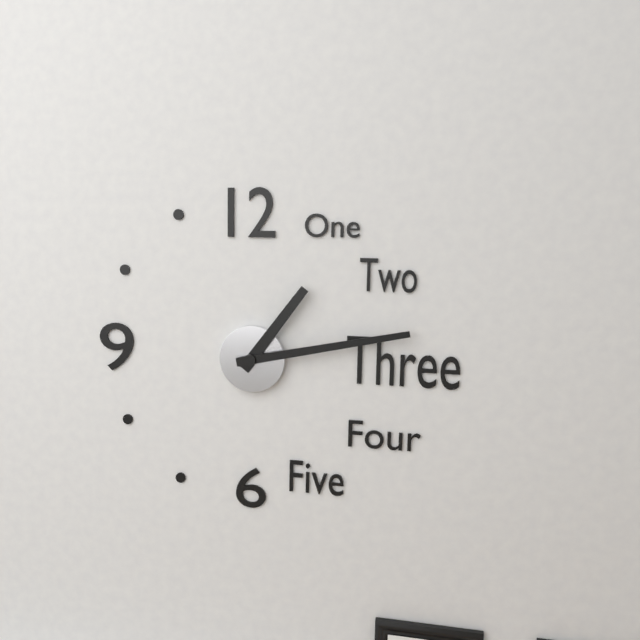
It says 1.13
